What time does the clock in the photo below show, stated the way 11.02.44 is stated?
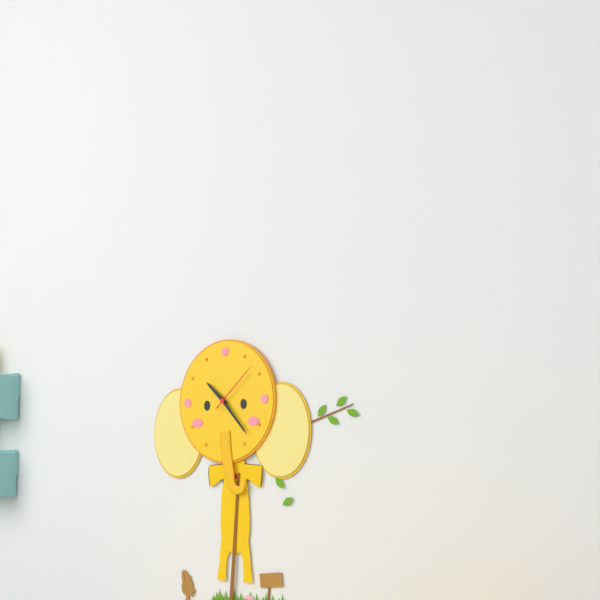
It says 10.23.08
